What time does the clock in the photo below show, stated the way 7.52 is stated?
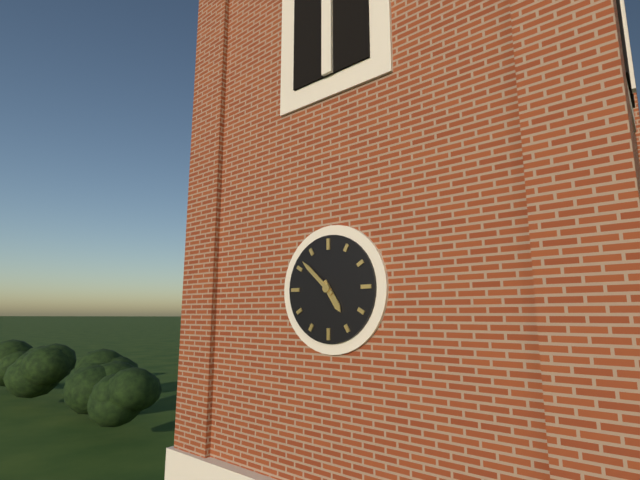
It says 4.52
